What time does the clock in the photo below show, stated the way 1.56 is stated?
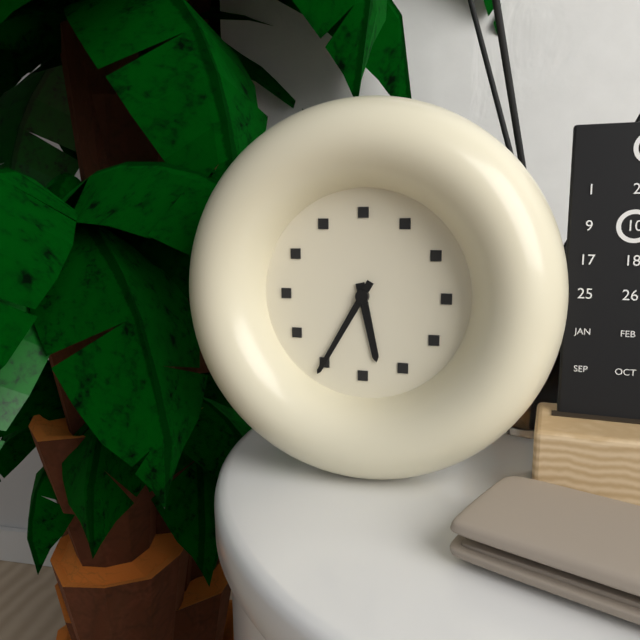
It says 5.35
